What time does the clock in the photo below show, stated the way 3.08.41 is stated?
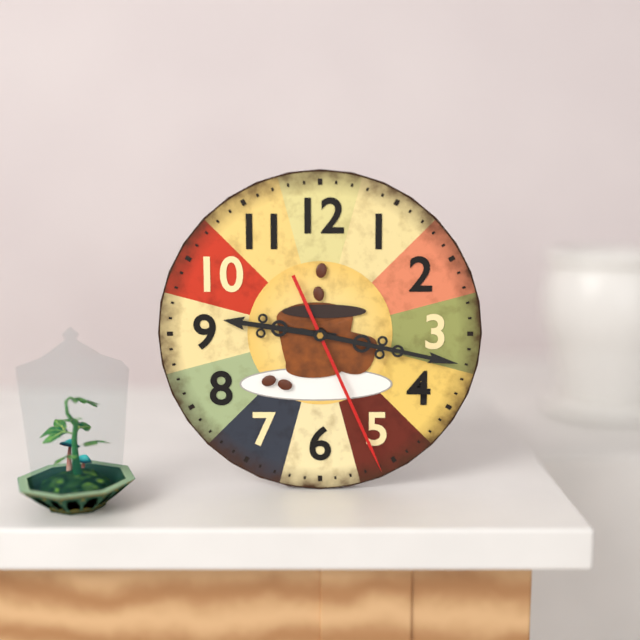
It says 9.17.26
